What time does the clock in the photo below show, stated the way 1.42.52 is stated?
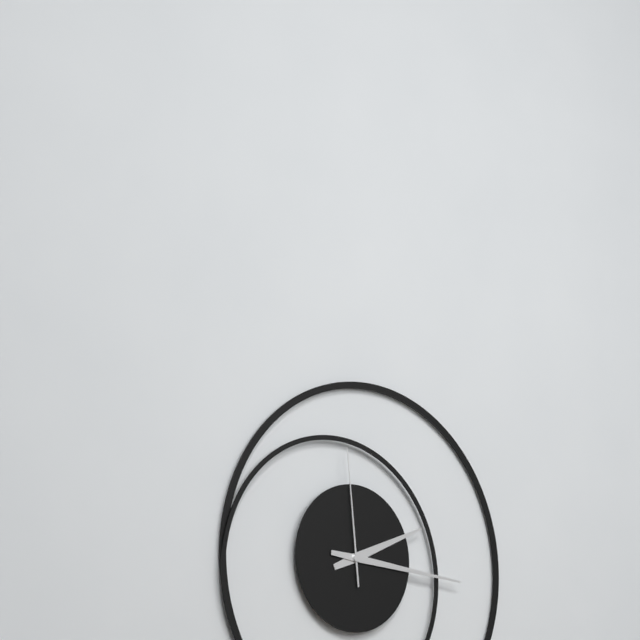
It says 2.16.59
